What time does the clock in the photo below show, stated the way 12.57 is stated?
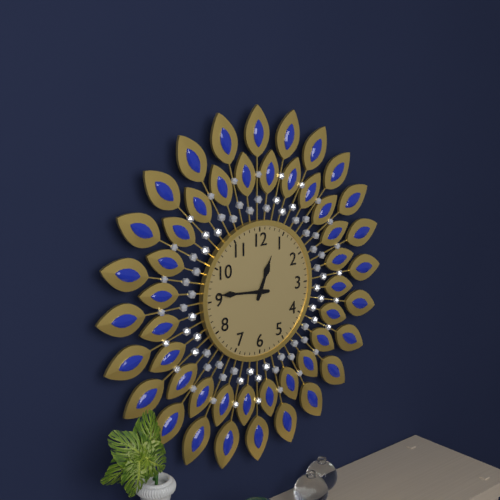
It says 12.46
